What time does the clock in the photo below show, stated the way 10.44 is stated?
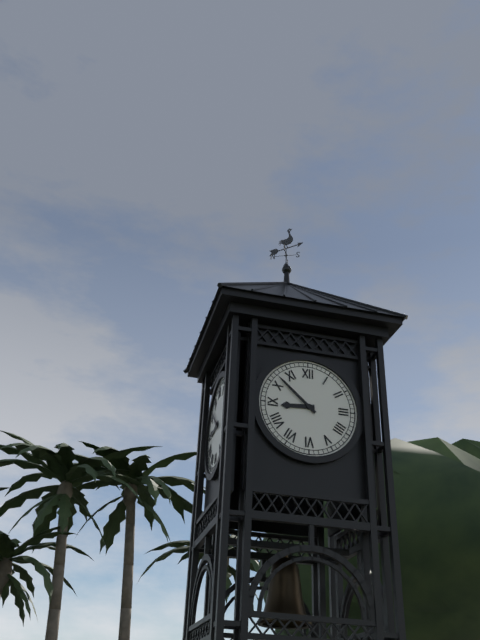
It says 8.52
